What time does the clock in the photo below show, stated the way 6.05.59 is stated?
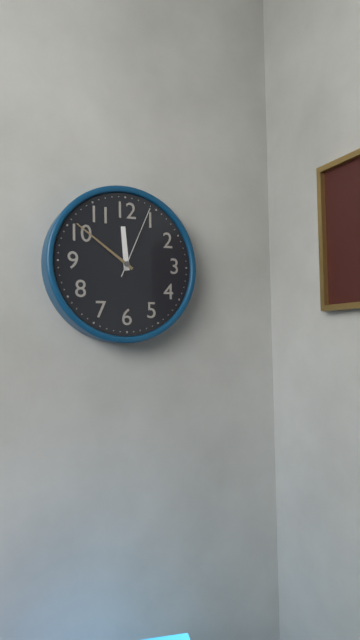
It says 11.51.04
